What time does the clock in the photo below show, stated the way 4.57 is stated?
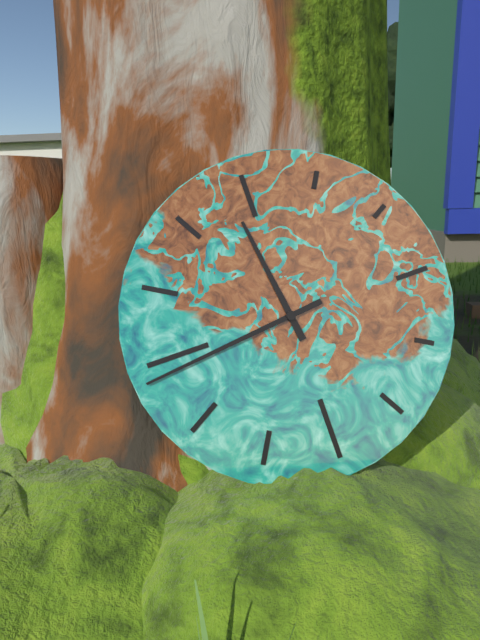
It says 11.44
